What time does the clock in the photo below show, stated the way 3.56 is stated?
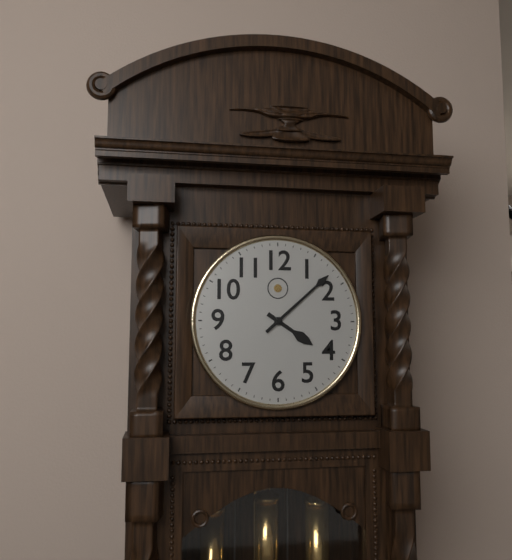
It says 4.08
